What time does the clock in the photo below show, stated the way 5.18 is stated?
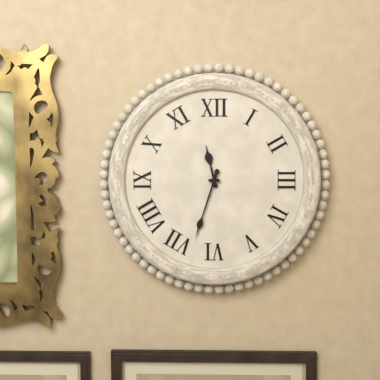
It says 11.33
